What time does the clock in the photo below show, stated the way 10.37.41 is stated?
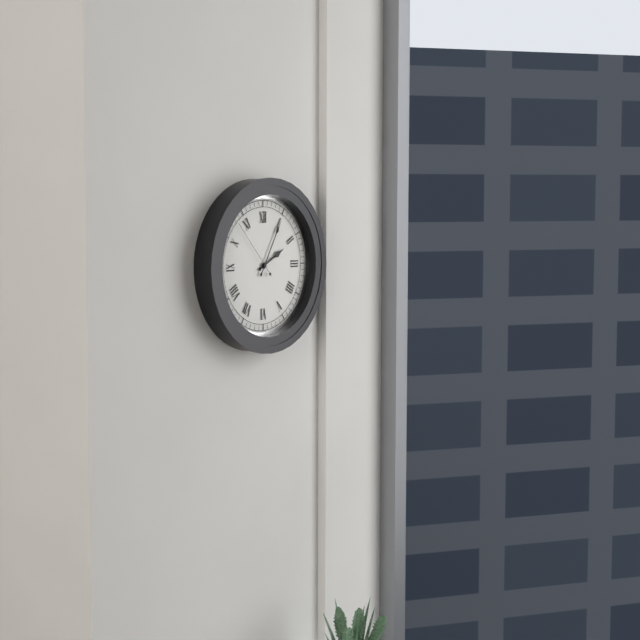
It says 2.05.53
